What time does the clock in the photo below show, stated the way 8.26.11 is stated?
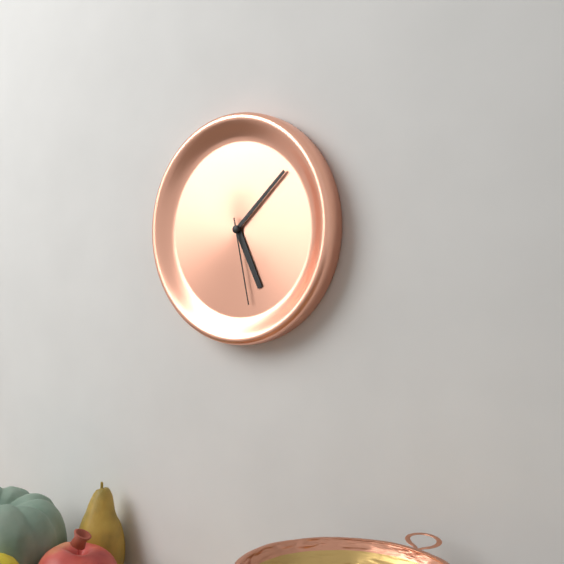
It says 5.08.28
